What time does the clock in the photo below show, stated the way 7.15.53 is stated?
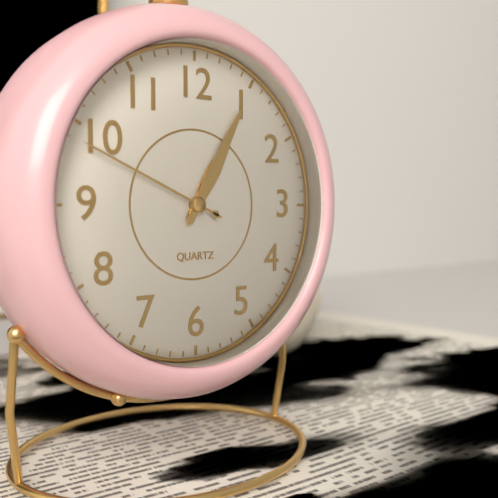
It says 1.05.49
